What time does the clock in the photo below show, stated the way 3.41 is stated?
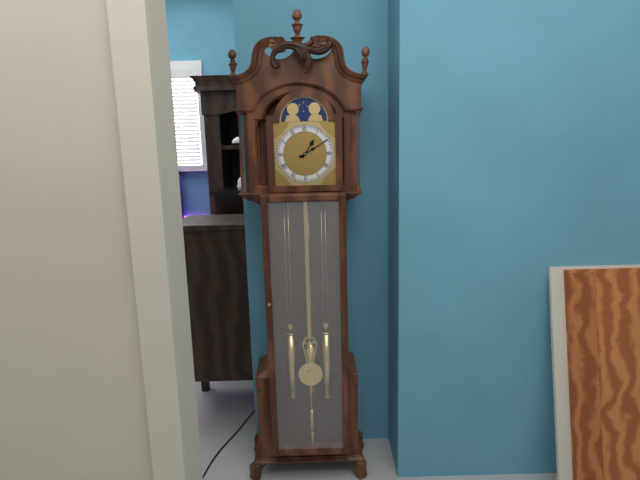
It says 1.10
